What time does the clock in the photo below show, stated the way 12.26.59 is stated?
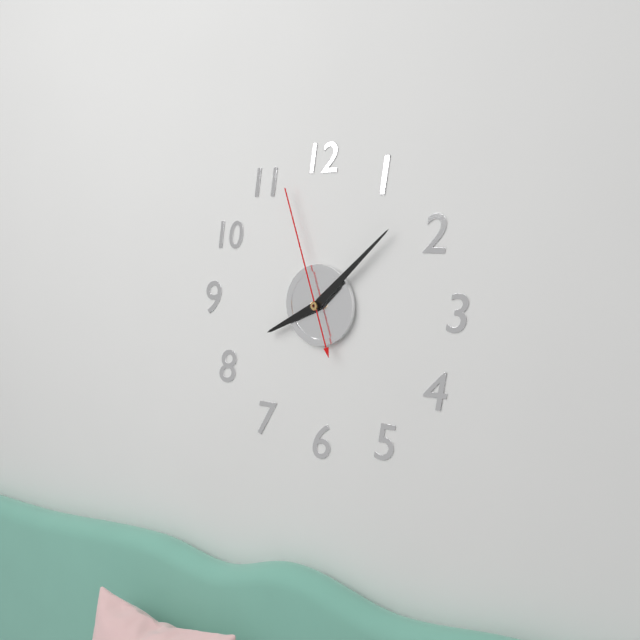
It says 8.08.57
